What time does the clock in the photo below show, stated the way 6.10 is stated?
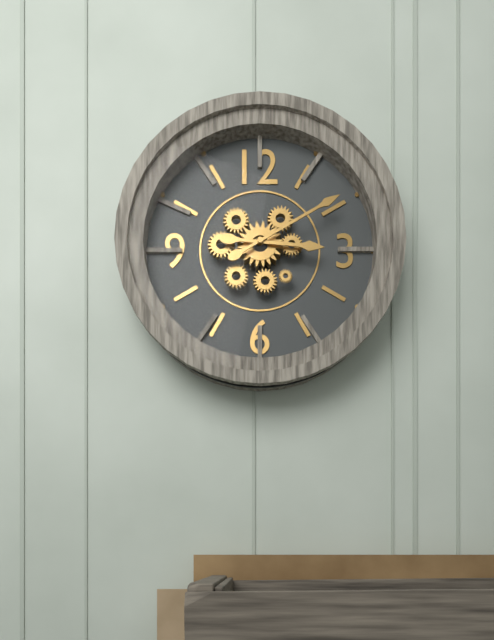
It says 3.10
